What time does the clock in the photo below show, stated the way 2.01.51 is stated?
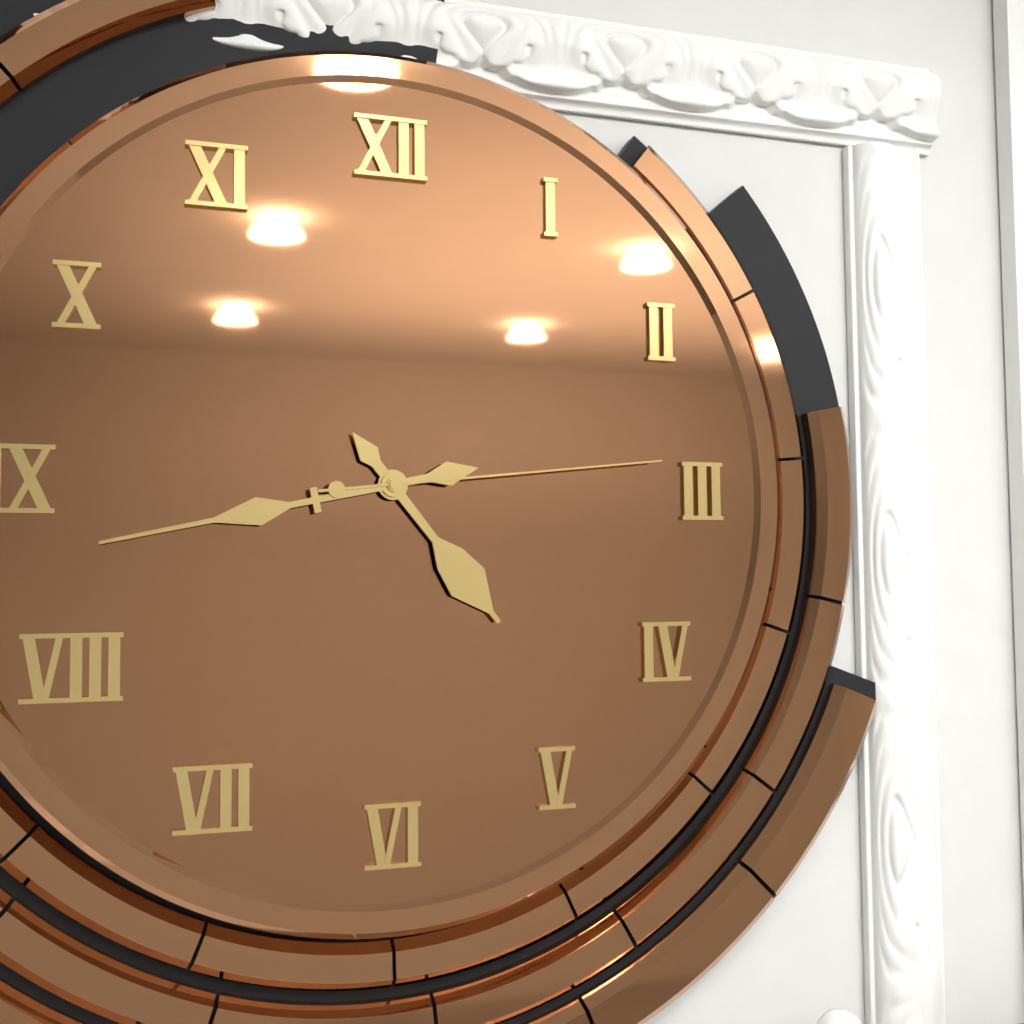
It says 4.43.14
